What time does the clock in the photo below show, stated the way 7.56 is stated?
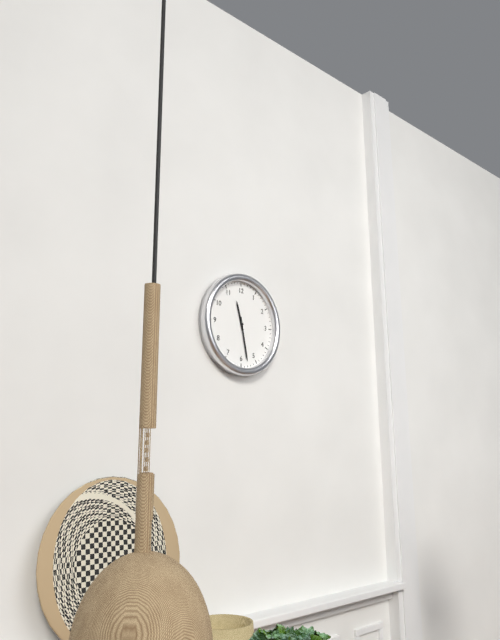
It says 11.28
